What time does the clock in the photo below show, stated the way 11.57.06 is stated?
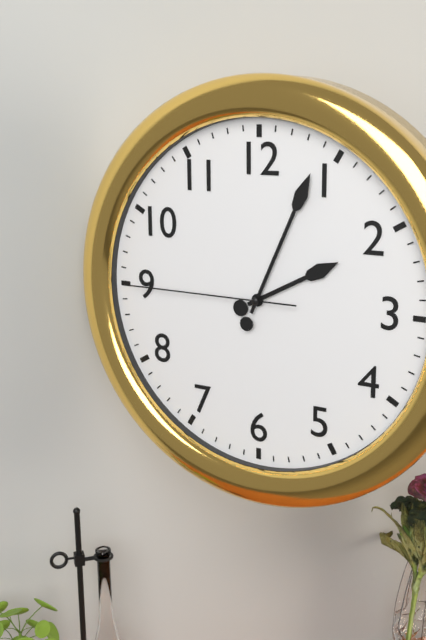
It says 2.04.45
